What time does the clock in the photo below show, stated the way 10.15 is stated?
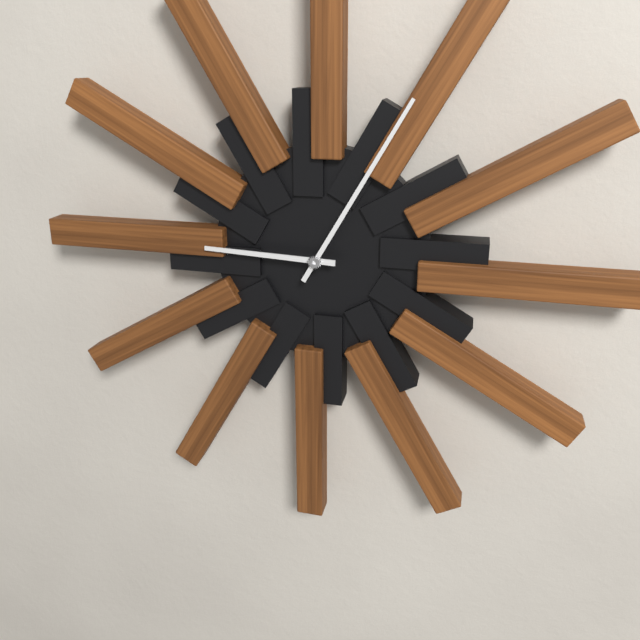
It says 9.05
